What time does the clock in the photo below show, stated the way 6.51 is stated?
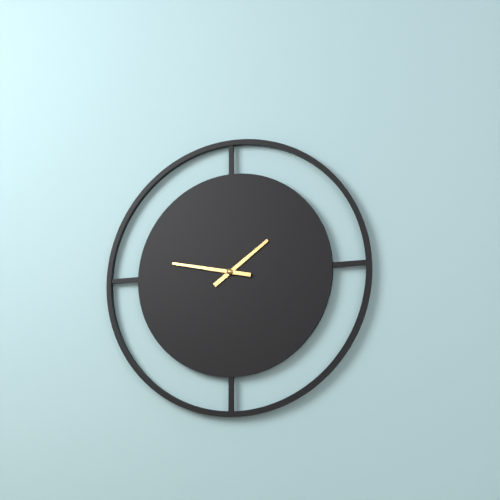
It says 1.47
